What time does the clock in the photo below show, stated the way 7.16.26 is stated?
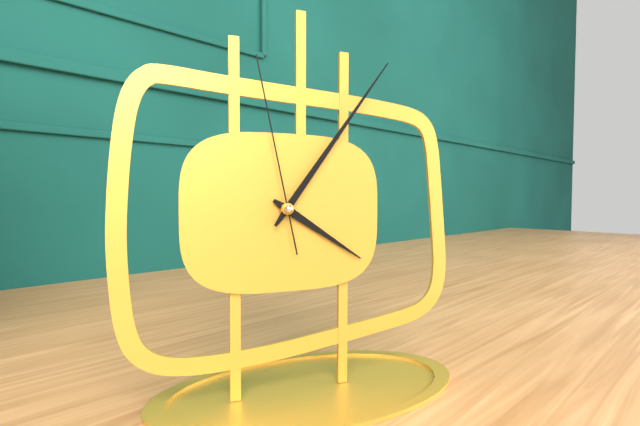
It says 4.06.58
